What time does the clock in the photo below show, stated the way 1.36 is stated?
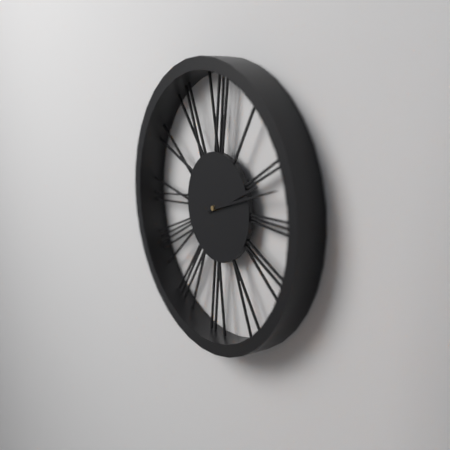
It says 2.12
